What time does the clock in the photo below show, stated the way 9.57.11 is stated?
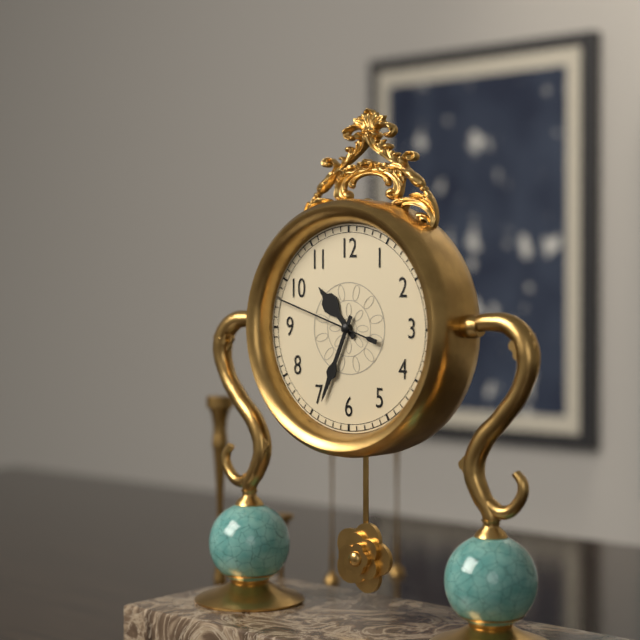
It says 10.34.48
